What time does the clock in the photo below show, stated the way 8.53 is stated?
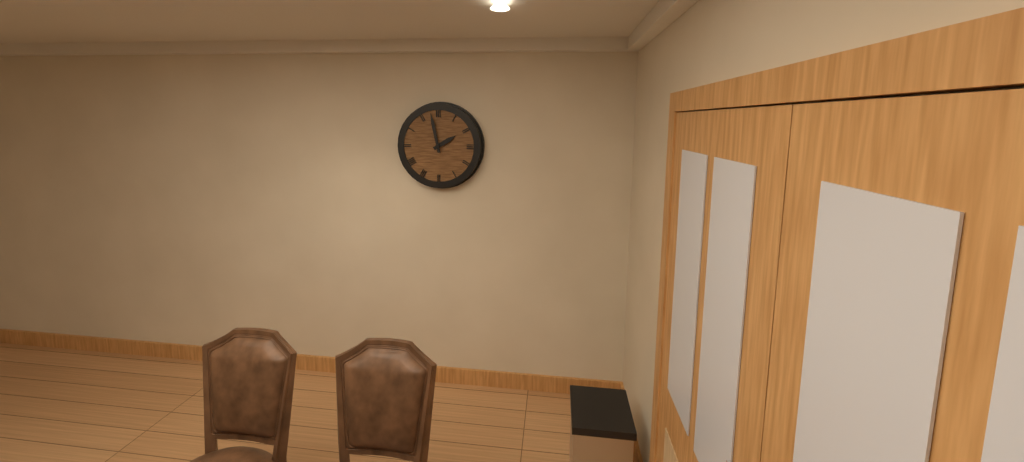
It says 1.58
